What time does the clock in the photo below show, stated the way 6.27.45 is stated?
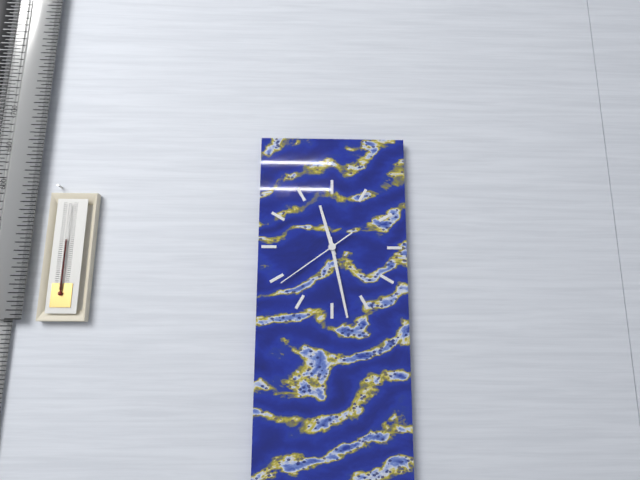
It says 11.28.39
